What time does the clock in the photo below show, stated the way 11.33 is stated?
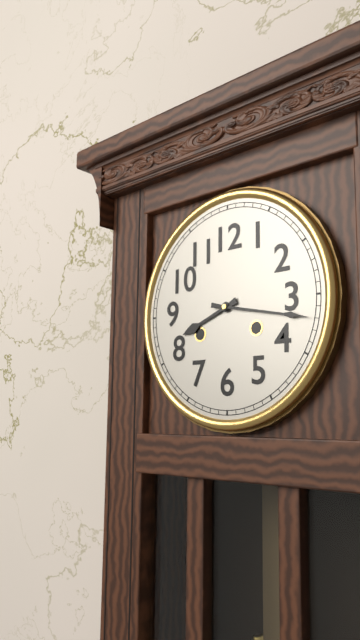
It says 8.17
